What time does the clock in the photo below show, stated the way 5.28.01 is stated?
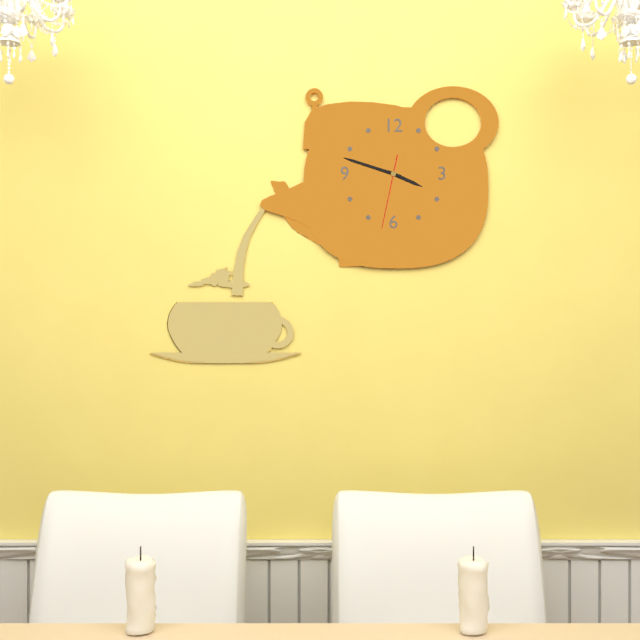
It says 3.48.32
